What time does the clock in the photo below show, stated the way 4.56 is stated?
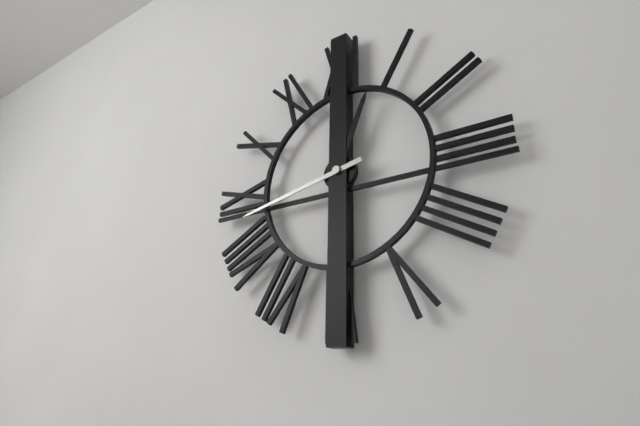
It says 12.43
